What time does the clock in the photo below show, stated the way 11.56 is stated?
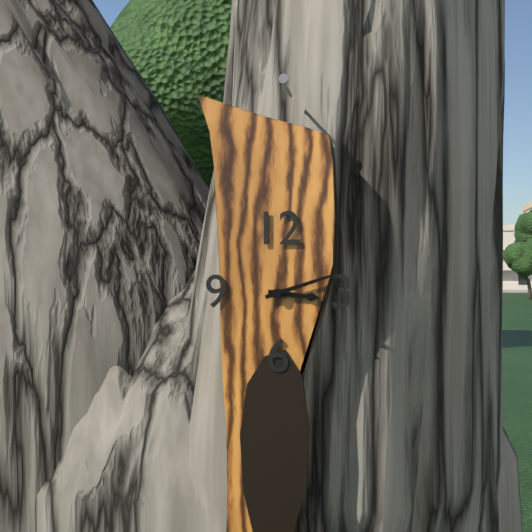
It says 3.12
